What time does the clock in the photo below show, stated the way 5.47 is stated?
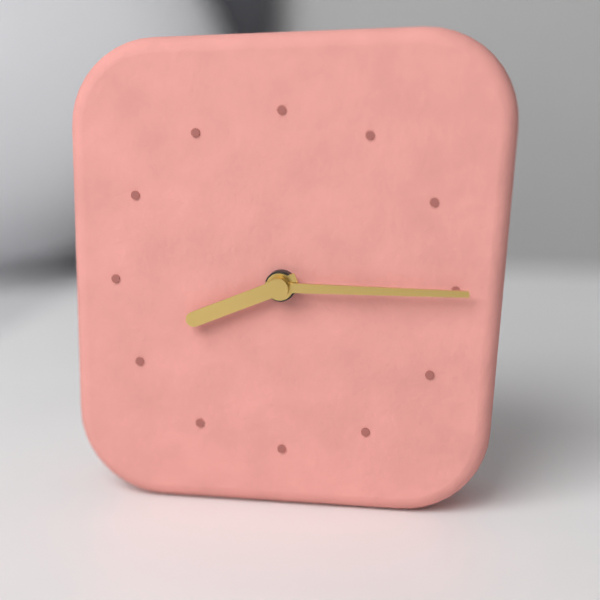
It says 8.15
